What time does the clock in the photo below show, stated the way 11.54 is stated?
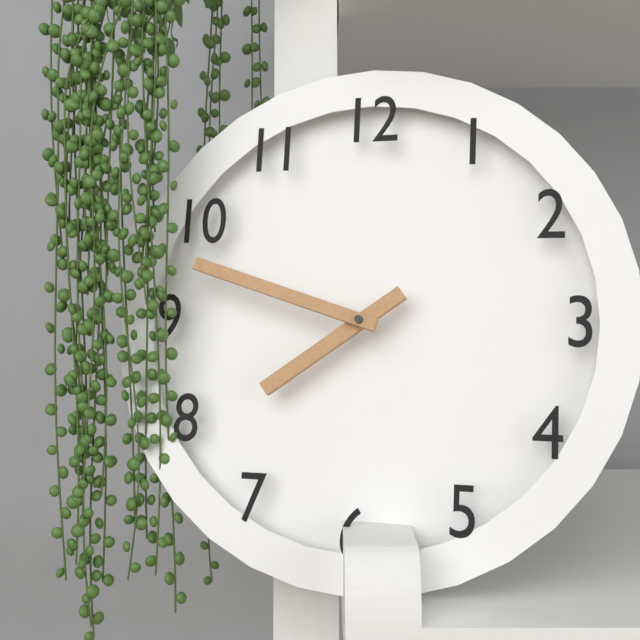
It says 7.48
